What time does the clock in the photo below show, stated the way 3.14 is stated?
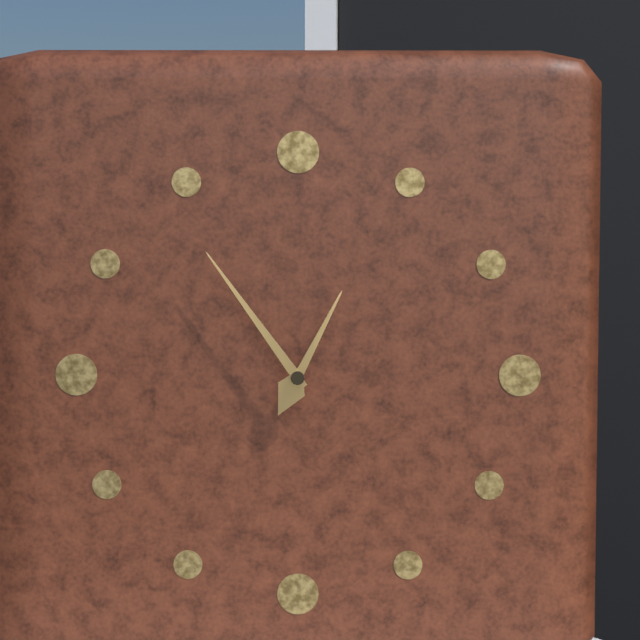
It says 12.54
